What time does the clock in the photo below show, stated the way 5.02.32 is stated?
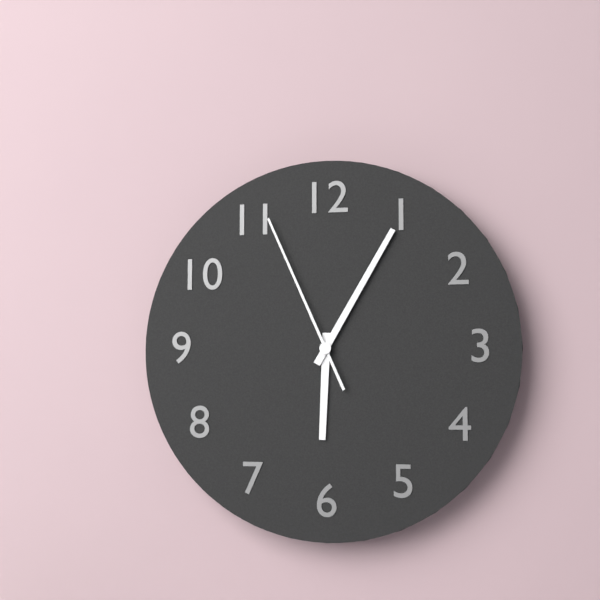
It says 6.05.56
